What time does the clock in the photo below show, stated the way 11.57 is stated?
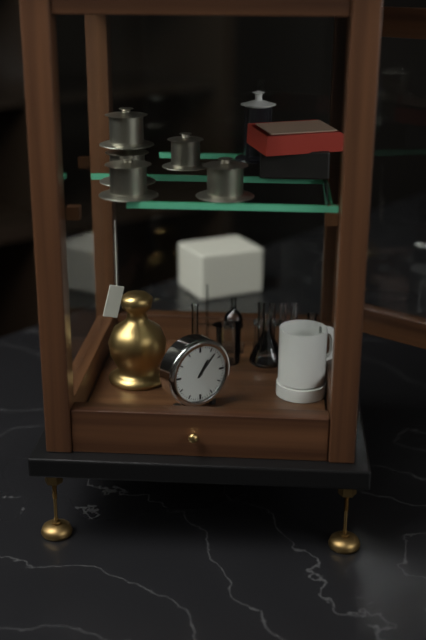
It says 1.07
